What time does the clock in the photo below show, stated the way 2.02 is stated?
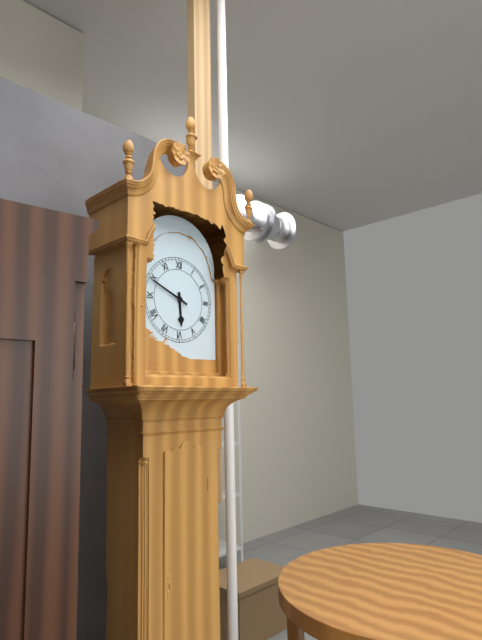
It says 5.49
